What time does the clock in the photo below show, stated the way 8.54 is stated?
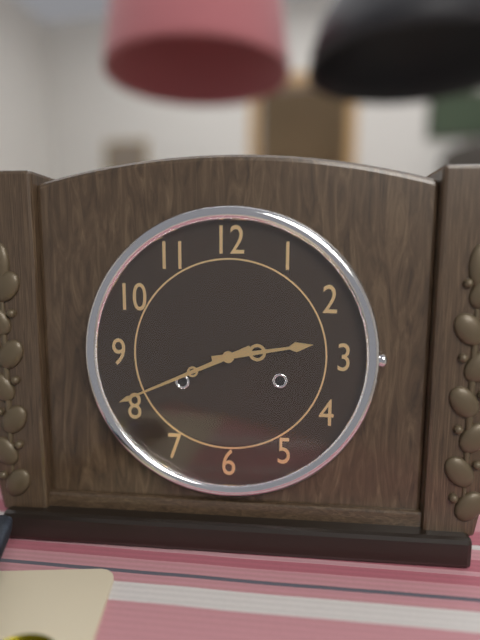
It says 2.41
